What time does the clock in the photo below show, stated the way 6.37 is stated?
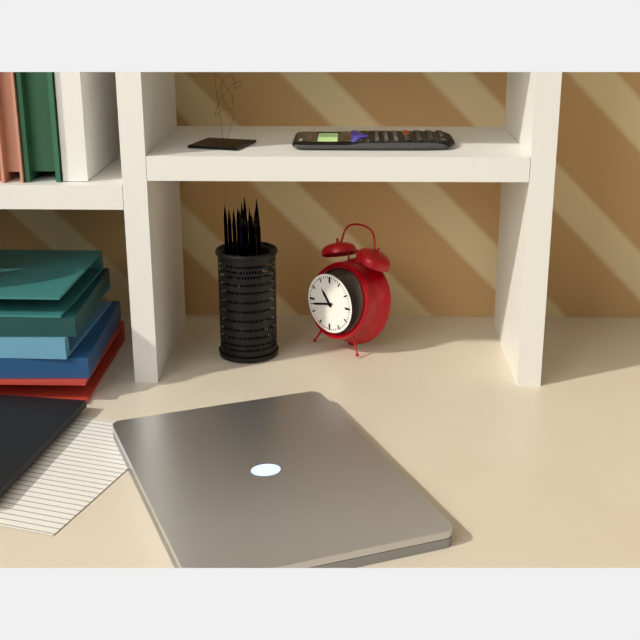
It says 10.43
